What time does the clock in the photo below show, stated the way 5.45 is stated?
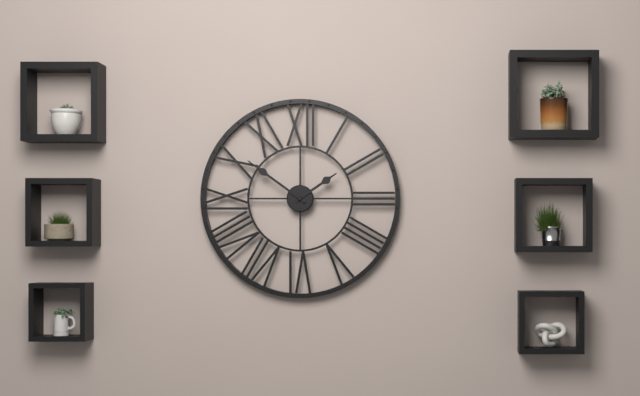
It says 1.51
